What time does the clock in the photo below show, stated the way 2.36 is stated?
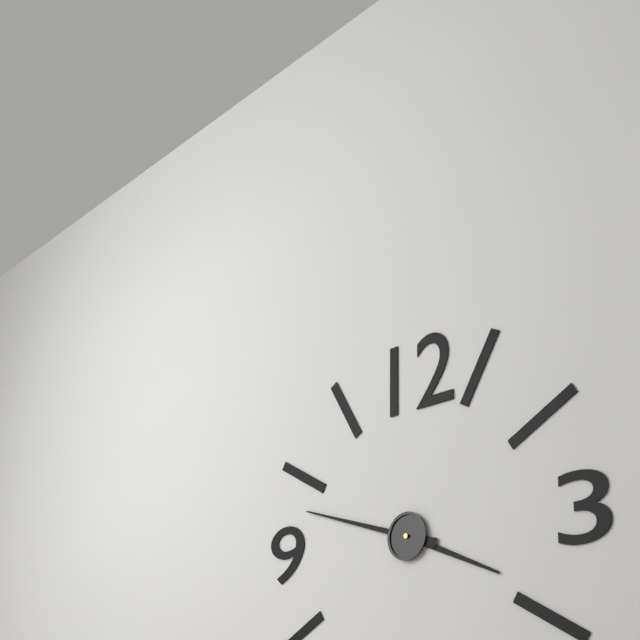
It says 3.48
